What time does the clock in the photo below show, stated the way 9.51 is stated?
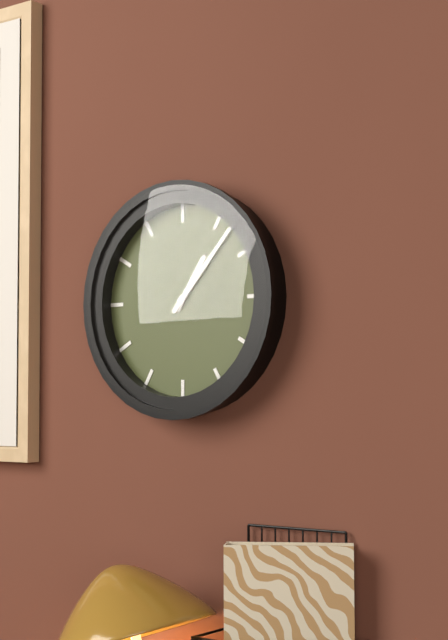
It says 1.07
